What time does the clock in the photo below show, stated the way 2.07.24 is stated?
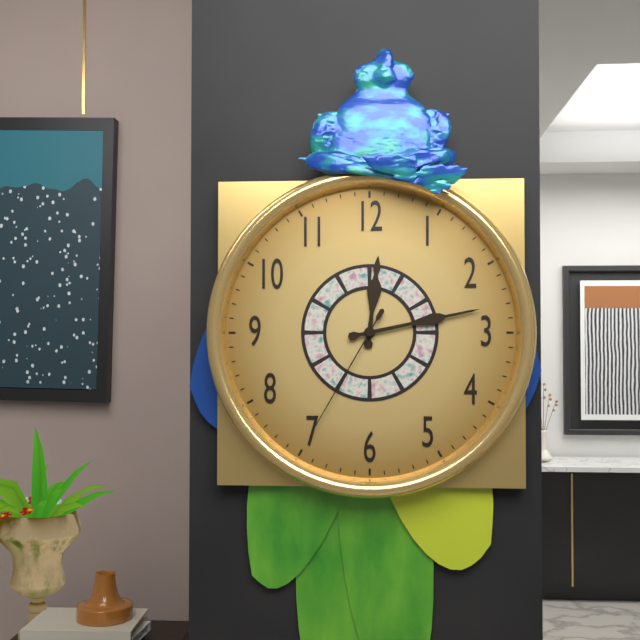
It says 12.13.35
